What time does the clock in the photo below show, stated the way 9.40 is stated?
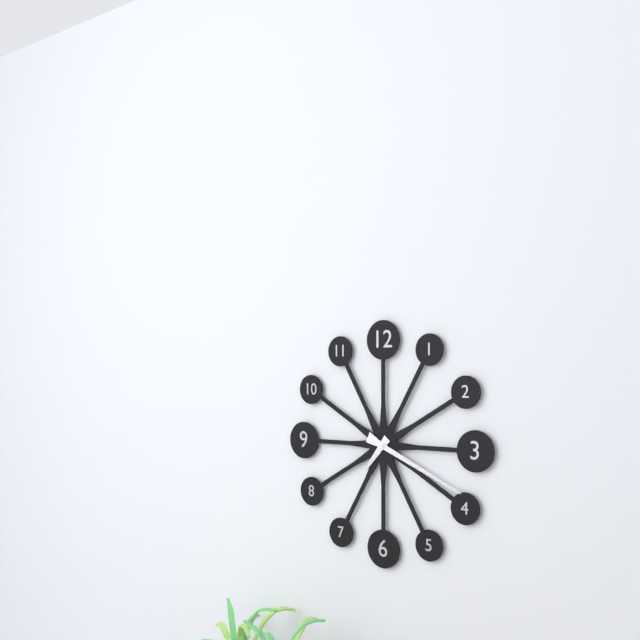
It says 7.19
